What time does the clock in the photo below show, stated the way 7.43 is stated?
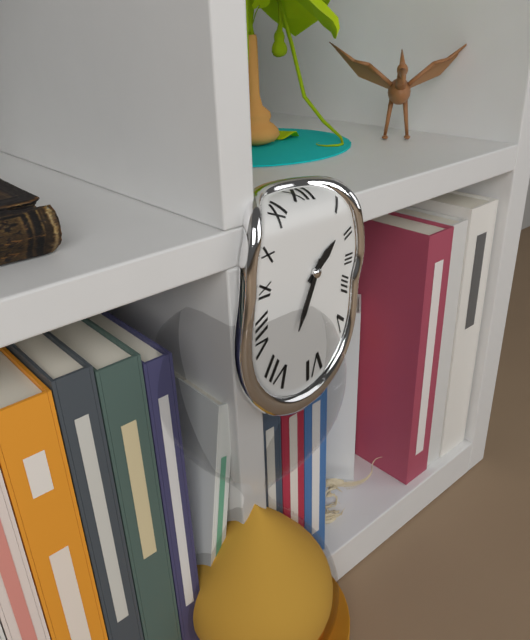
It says 1.34
